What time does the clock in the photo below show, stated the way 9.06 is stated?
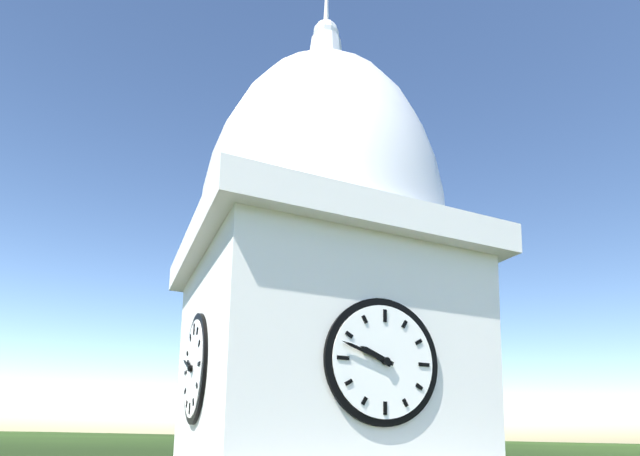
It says 9.48
